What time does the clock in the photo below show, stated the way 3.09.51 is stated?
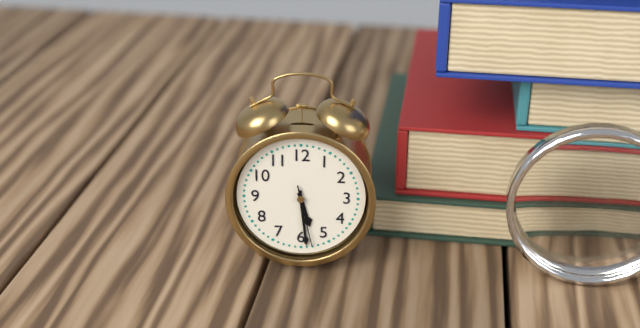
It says 5.29.28
